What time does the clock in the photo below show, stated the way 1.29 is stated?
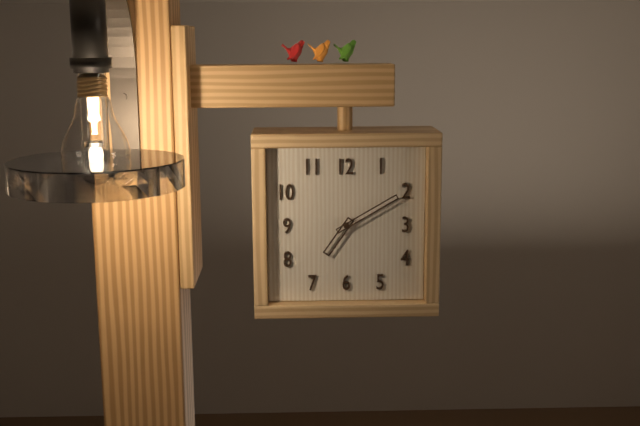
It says 7.10
